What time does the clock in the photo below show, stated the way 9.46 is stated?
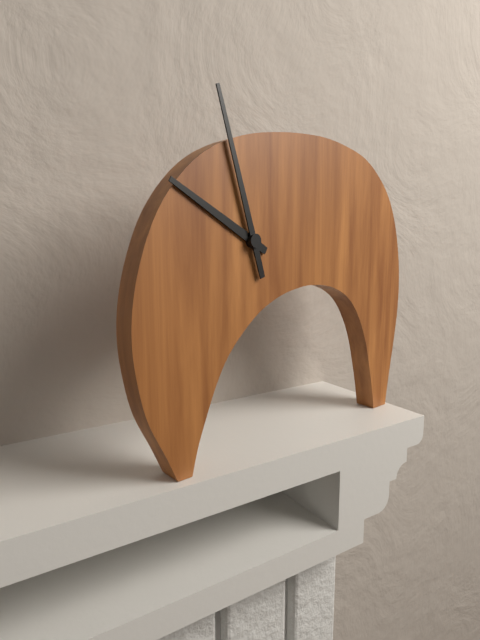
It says 9.57
